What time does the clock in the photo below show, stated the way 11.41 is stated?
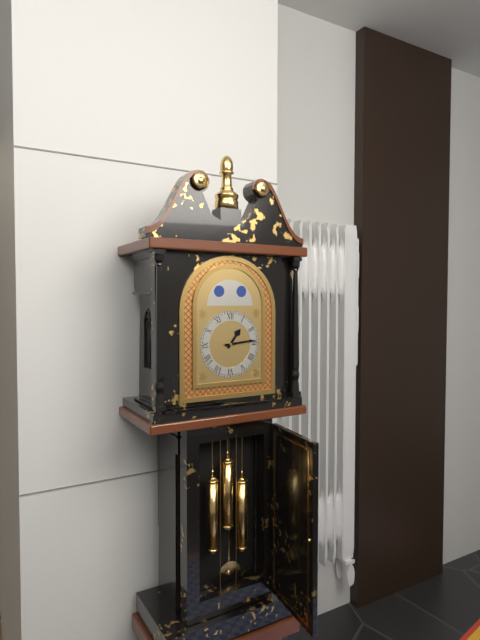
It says 1.14
